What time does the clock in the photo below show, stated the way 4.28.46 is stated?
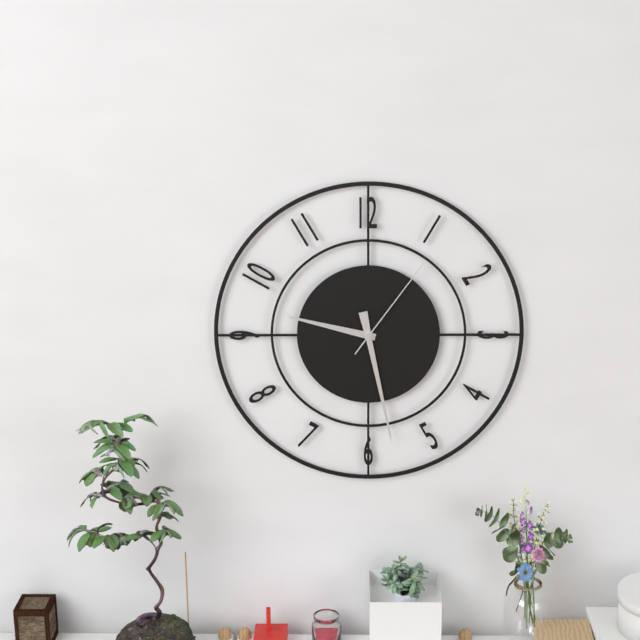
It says 9.28.06
